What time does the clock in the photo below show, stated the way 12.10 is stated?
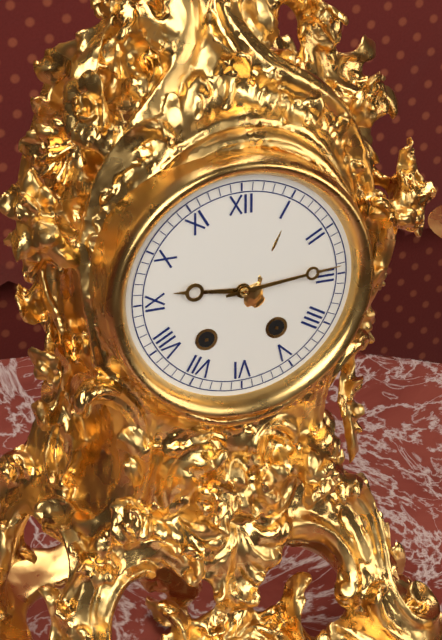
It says 9.14
